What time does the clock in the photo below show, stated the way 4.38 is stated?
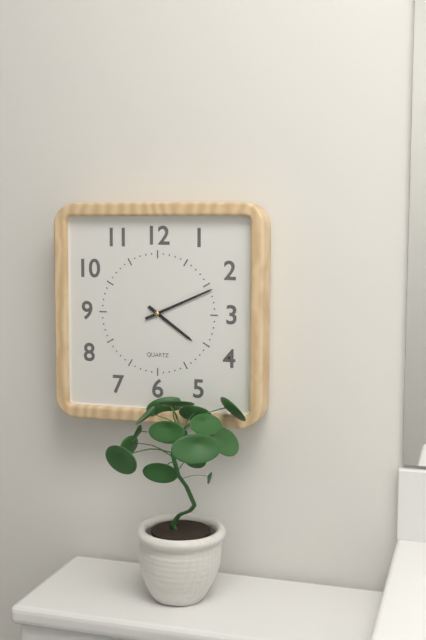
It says 4.11
